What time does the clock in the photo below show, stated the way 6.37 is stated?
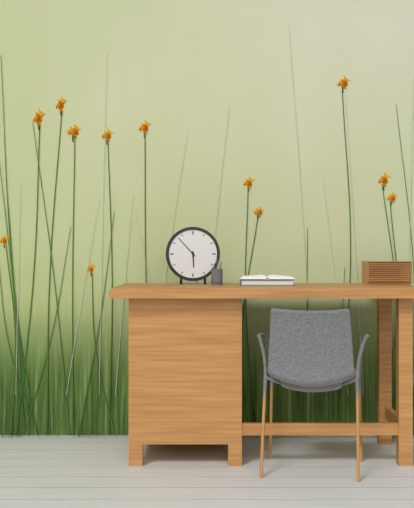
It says 5.53
